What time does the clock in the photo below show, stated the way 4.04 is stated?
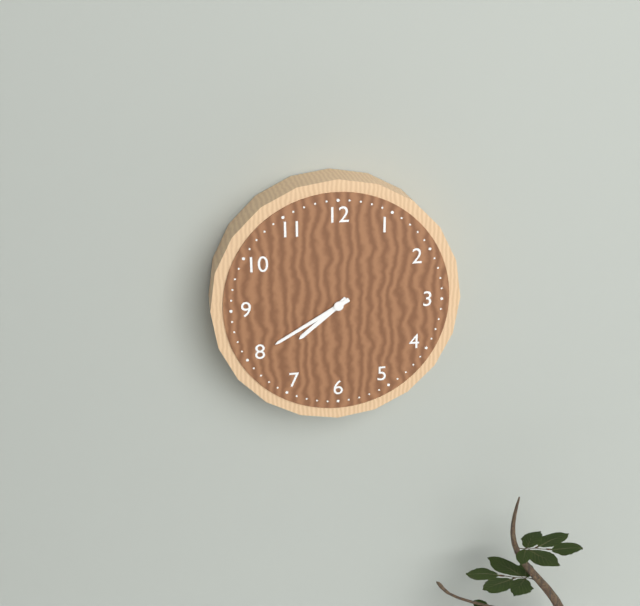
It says 7.40
